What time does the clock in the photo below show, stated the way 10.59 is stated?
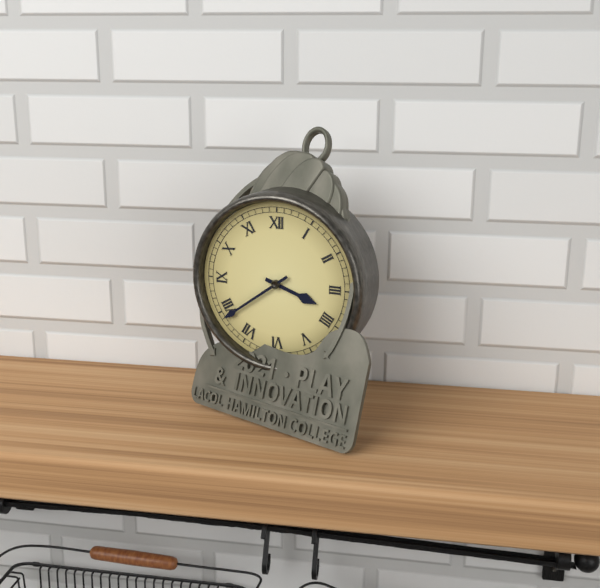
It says 3.39
